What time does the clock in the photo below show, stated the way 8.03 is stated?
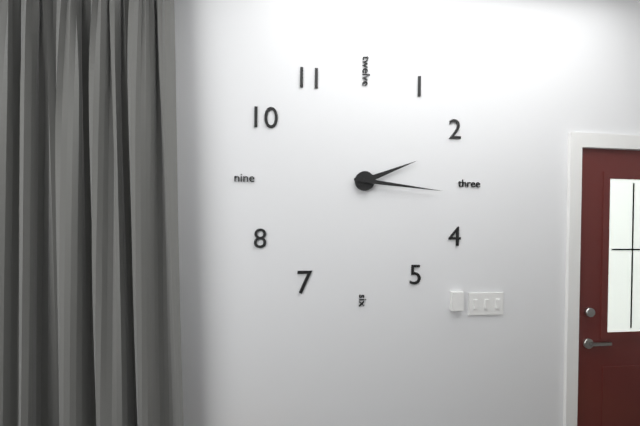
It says 2.16
